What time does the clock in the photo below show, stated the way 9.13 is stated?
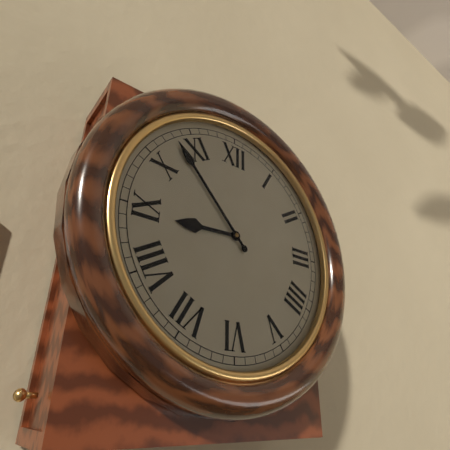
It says 8.53
